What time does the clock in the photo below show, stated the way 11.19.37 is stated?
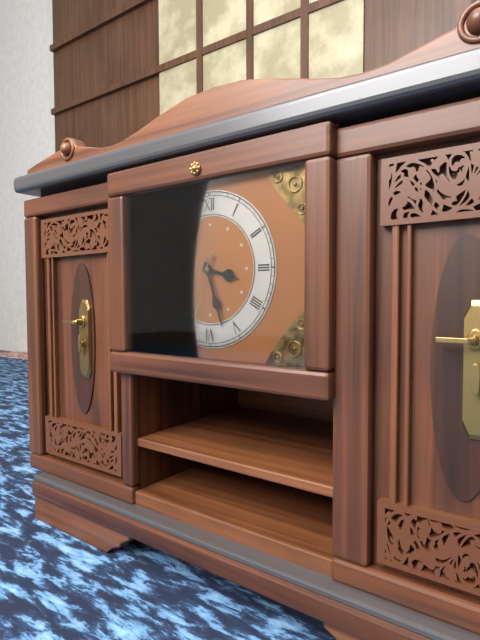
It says 3.27.33
